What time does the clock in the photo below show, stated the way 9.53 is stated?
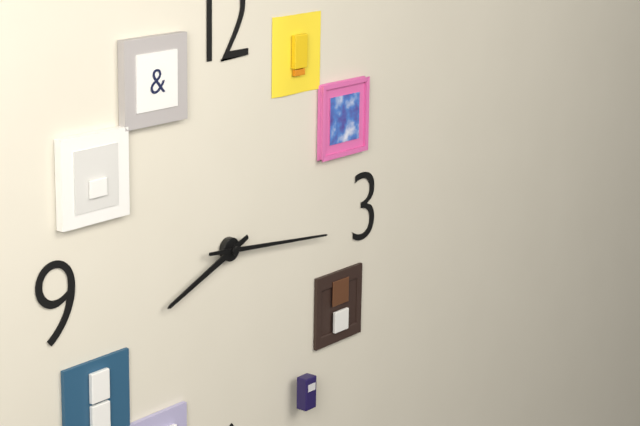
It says 8.16
